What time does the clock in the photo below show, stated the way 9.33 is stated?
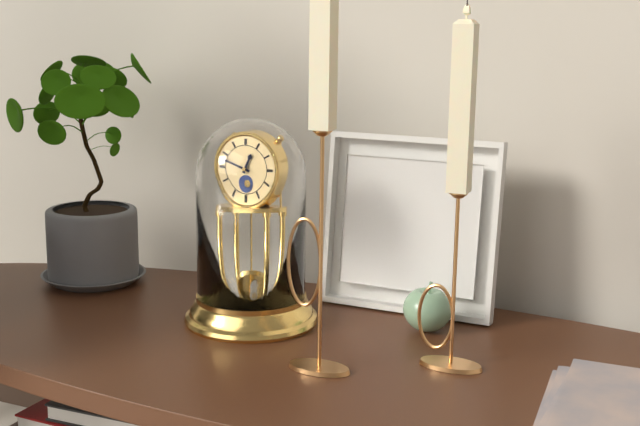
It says 12.48
